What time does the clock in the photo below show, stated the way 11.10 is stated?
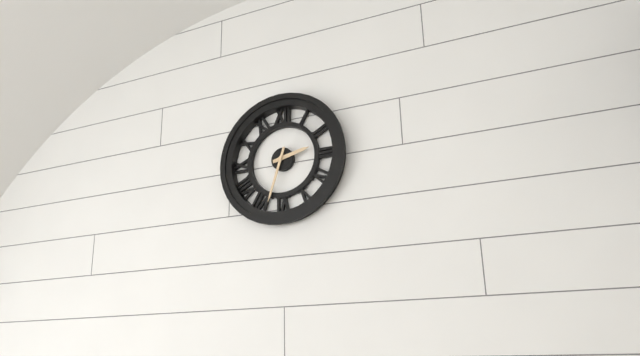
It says 2.33
